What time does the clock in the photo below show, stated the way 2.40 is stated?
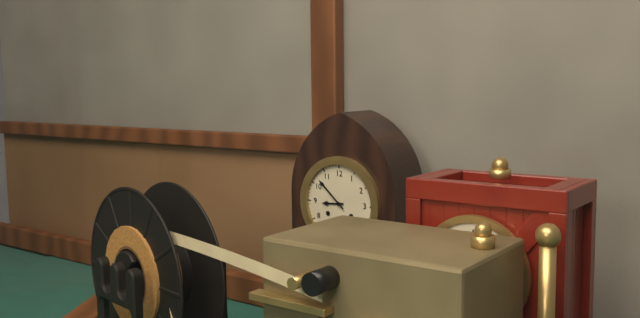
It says 8.52
